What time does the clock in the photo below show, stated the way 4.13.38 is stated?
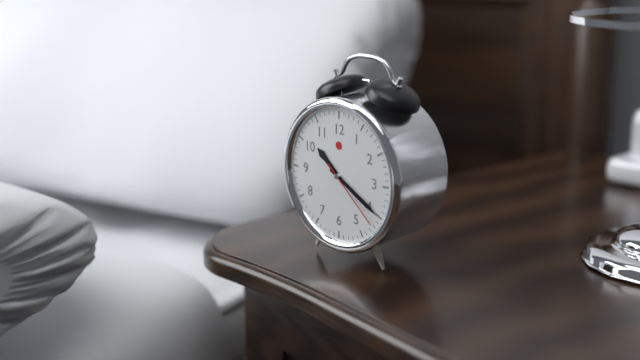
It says 10.20.22
